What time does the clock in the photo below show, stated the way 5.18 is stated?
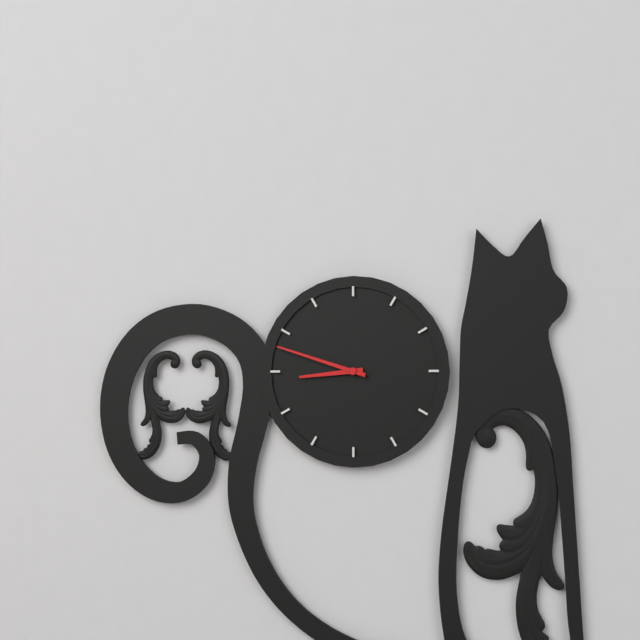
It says 8.48
